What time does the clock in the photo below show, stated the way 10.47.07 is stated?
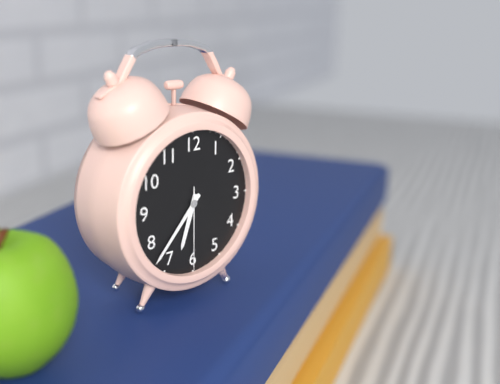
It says 6.37.30
